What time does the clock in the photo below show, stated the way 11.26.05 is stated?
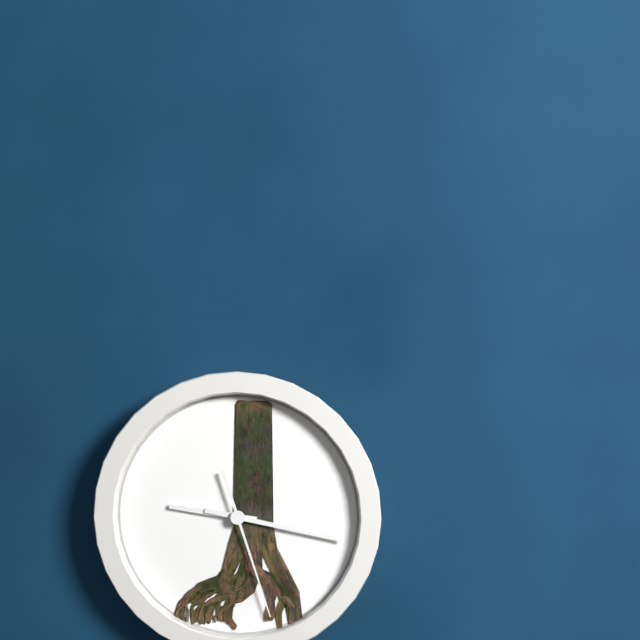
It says 9.17.27
